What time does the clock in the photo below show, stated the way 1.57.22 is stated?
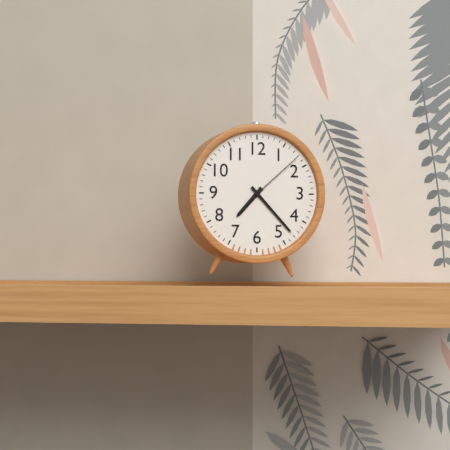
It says 7.23.08
